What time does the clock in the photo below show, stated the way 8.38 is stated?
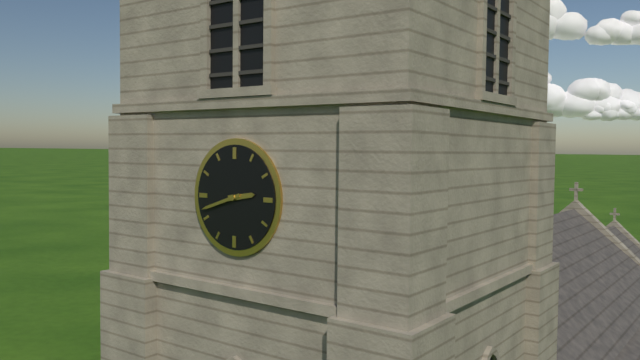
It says 2.42
